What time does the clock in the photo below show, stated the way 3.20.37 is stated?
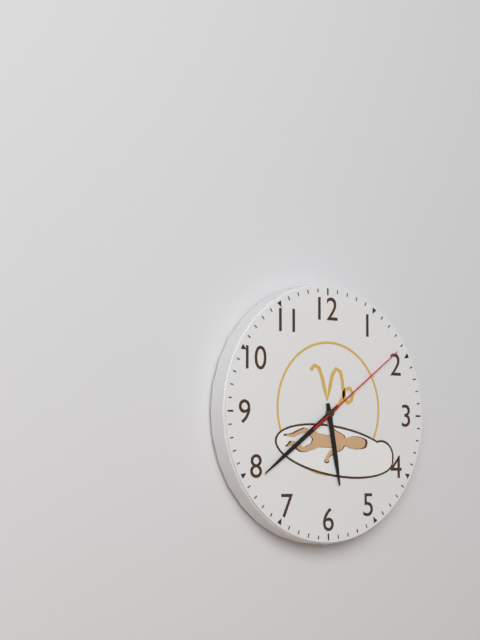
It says 5.39.09
